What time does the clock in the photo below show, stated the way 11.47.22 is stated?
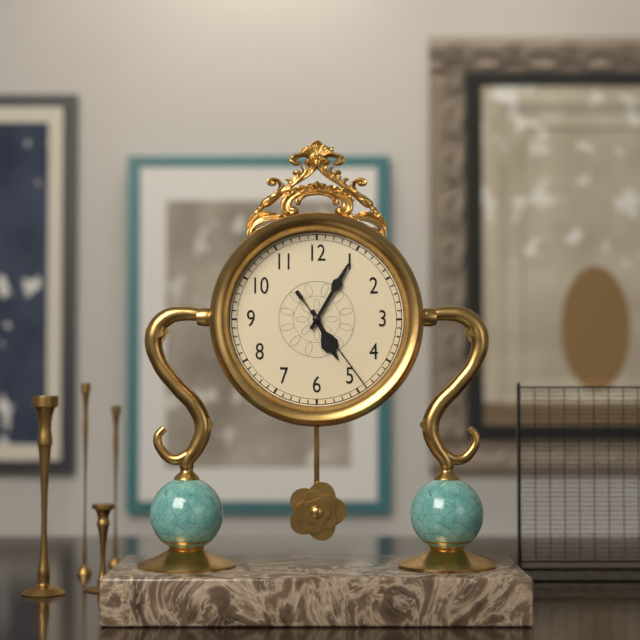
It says 5.05.24
